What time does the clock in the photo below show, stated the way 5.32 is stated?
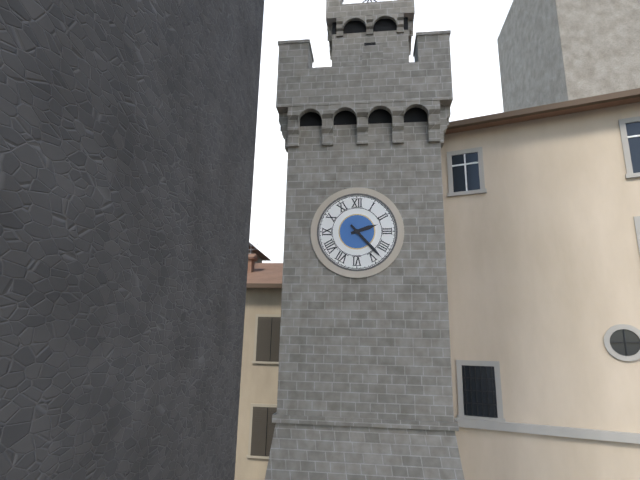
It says 2.23
